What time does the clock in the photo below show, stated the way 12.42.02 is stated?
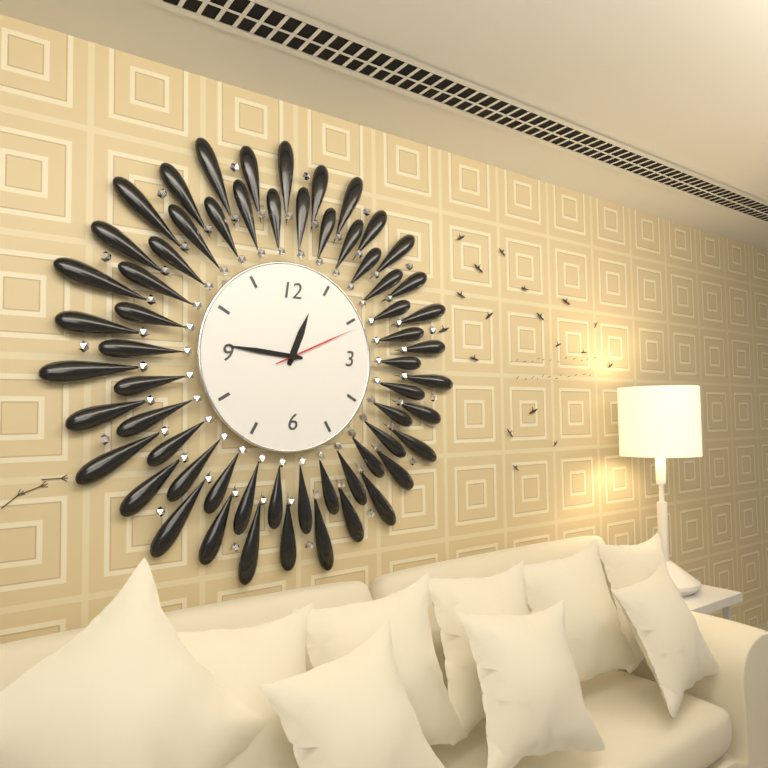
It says 12.46.11
